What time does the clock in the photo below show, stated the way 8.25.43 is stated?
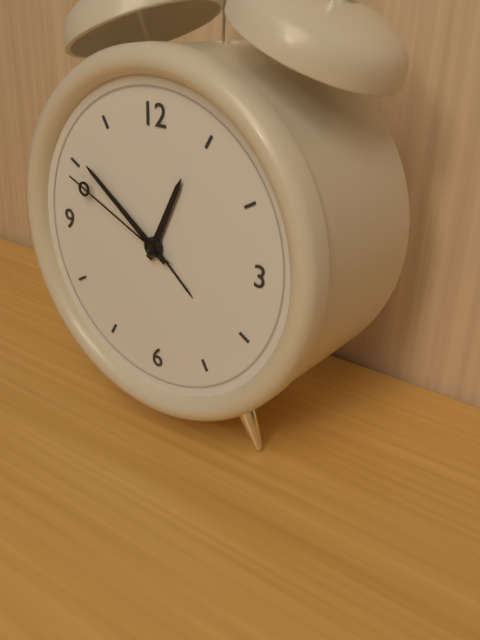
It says 12.51.49
